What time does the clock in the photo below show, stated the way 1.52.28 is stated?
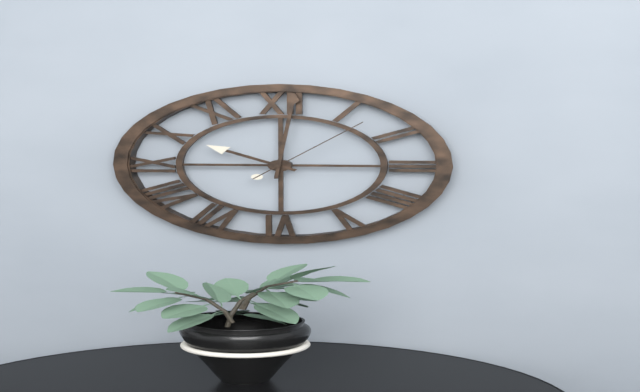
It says 10.01.07
